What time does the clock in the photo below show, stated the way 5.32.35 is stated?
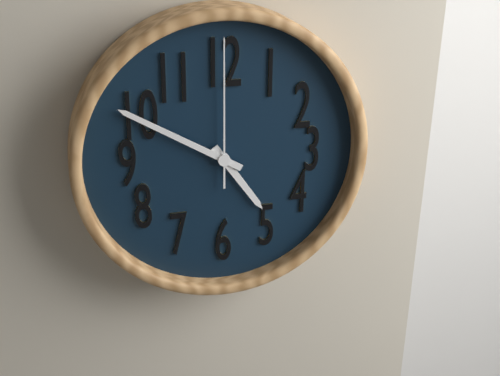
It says 4.50.00
